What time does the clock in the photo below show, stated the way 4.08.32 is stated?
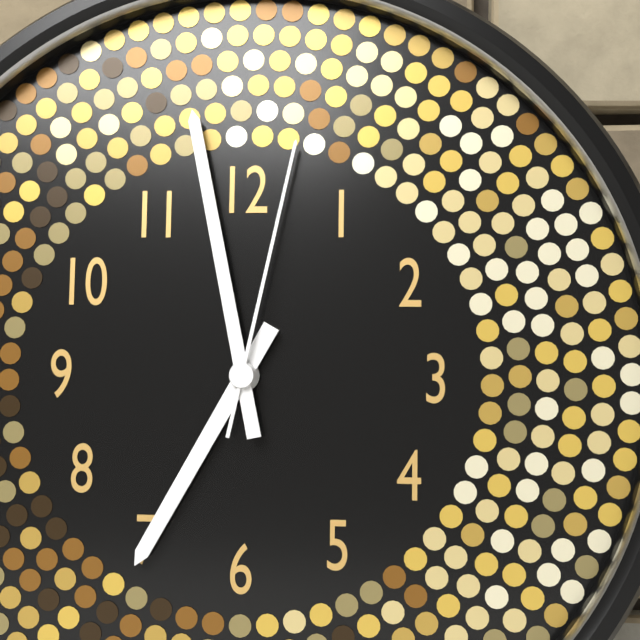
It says 6.58.02
